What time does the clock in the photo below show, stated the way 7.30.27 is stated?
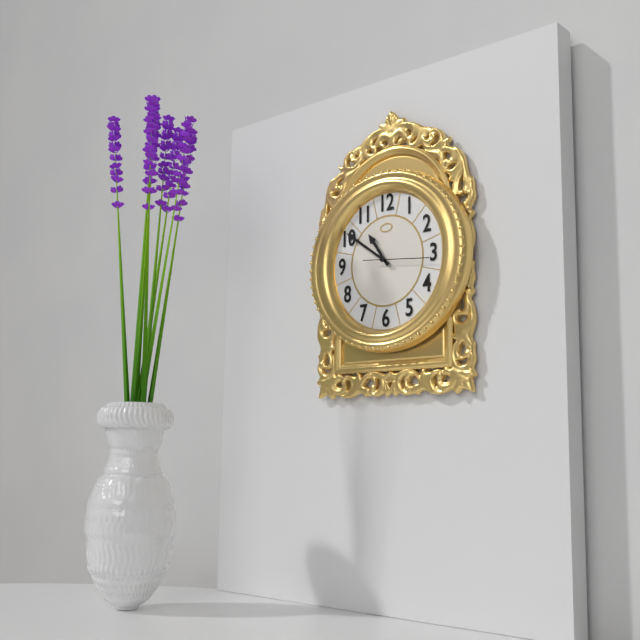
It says 10.51.16
